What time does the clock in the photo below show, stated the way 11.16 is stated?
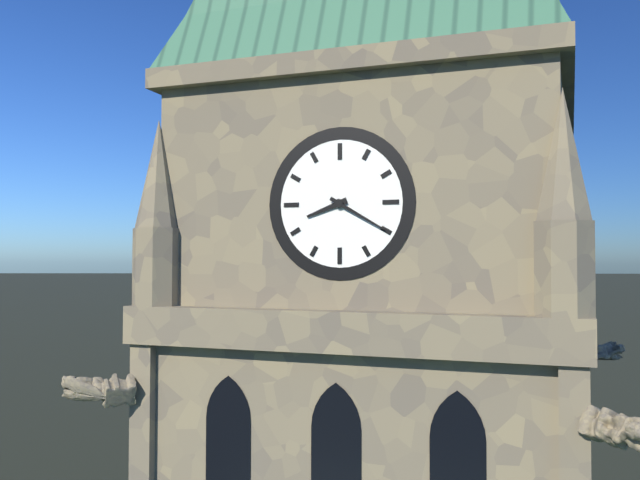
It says 8.20
